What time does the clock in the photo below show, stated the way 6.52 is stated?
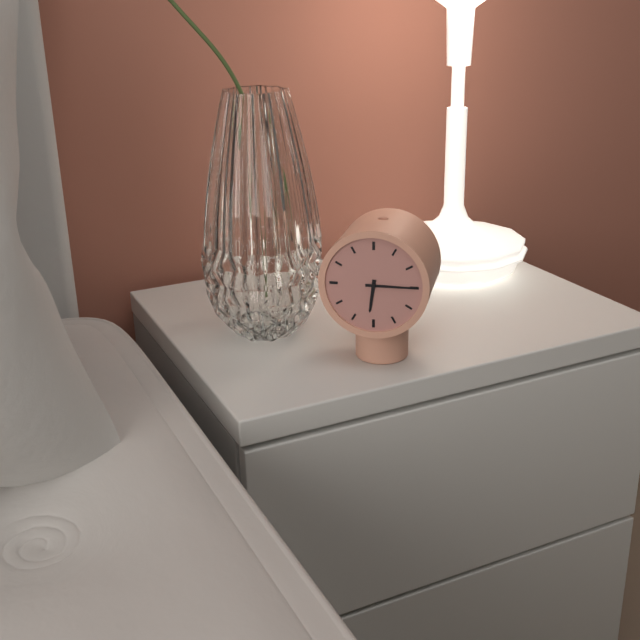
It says 6.15
